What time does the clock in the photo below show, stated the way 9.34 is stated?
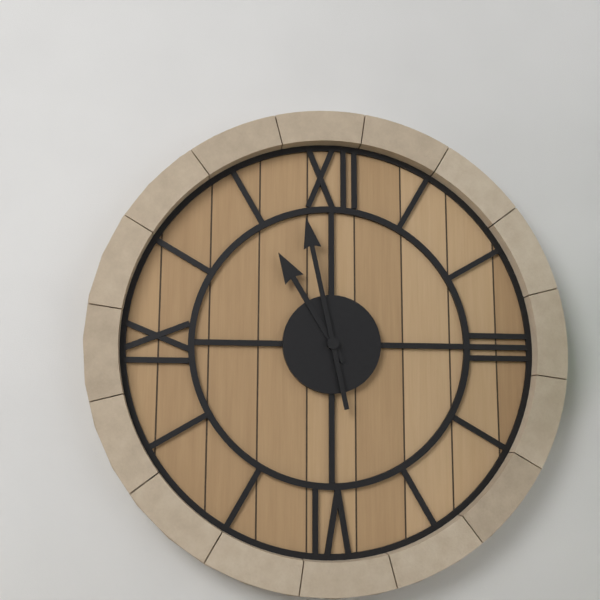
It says 10.58
